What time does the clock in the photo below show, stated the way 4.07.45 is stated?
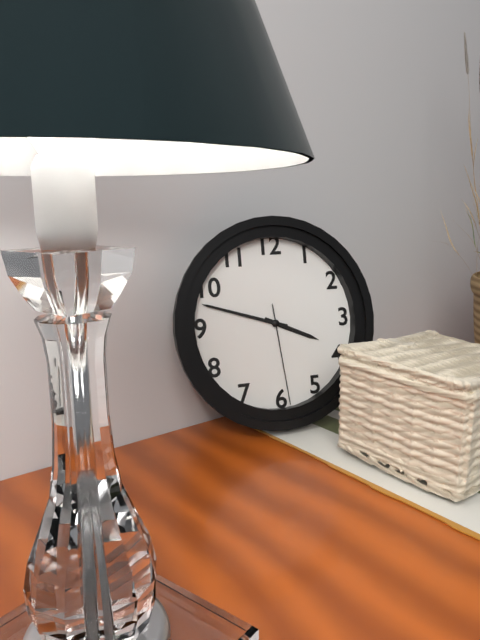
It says 3.48.29
